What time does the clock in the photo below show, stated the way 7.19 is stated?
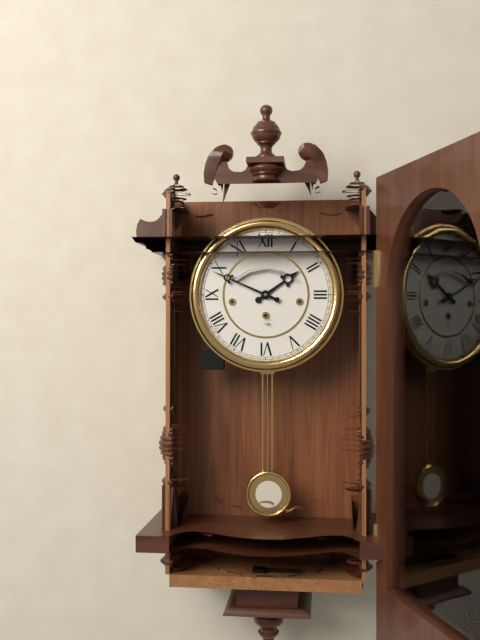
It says 1.49
